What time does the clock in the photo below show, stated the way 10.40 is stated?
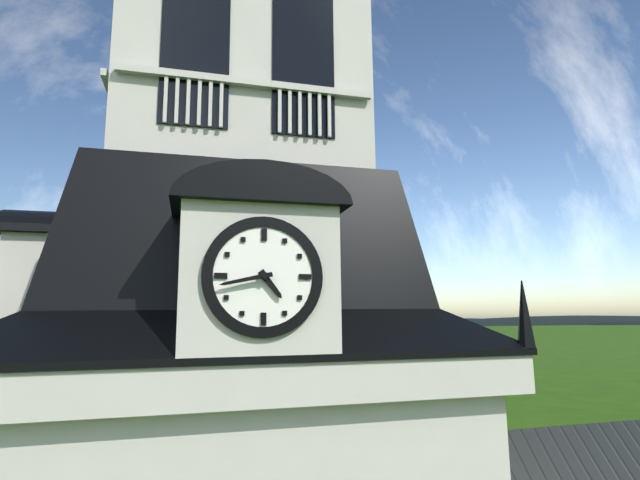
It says 4.43
